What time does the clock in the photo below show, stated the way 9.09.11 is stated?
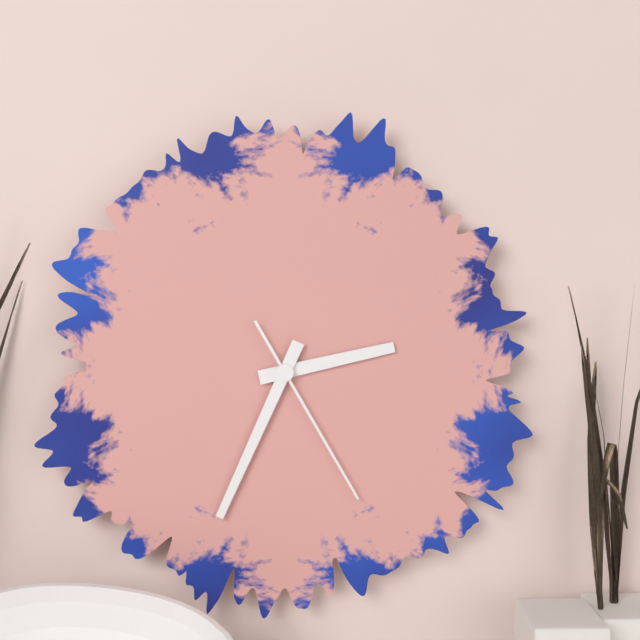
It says 2.34.25
